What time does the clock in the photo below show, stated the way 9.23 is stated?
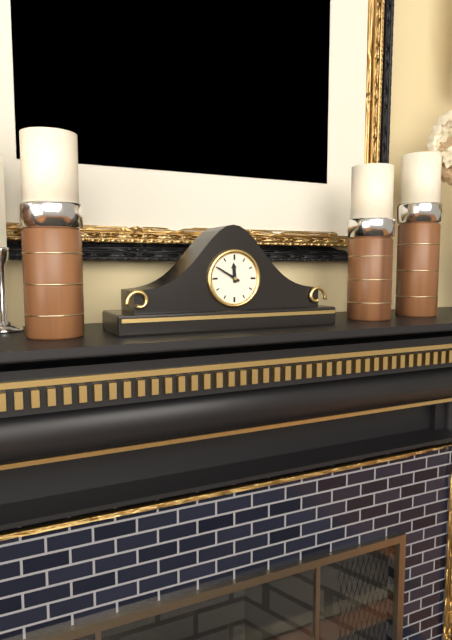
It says 11.50
